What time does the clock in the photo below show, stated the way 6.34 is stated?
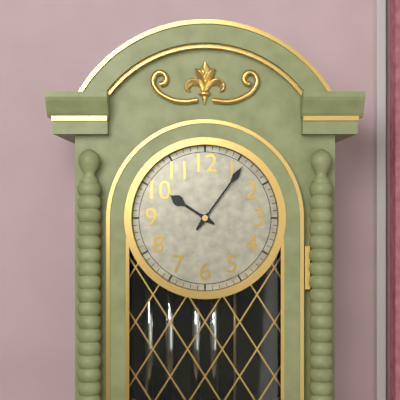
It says 10.06
